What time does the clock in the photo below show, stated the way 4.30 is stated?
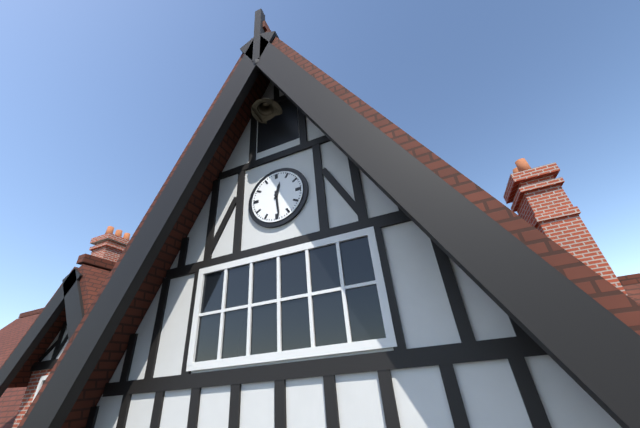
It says 12.29
